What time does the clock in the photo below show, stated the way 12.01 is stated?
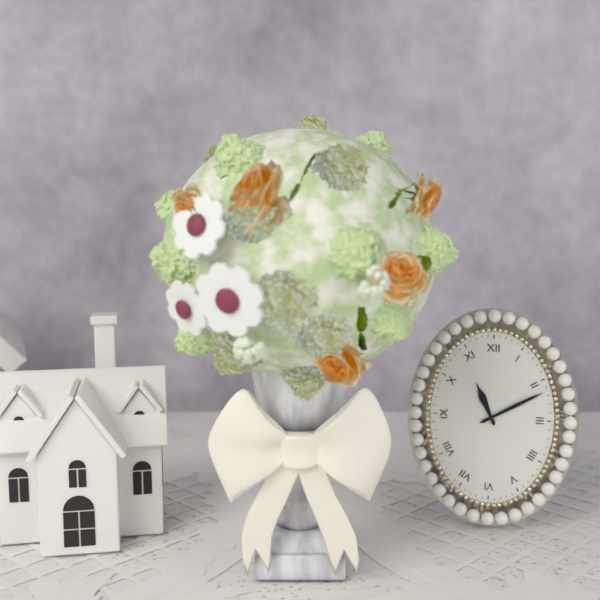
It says 11.10
